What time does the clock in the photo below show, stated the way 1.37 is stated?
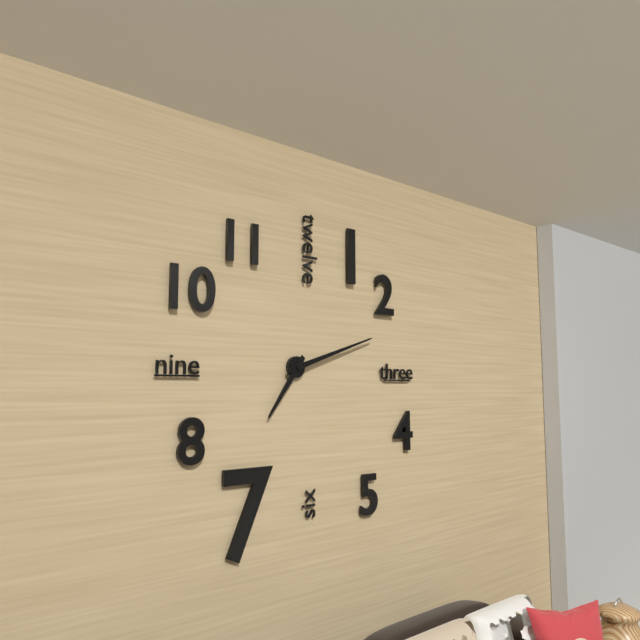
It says 7.12
